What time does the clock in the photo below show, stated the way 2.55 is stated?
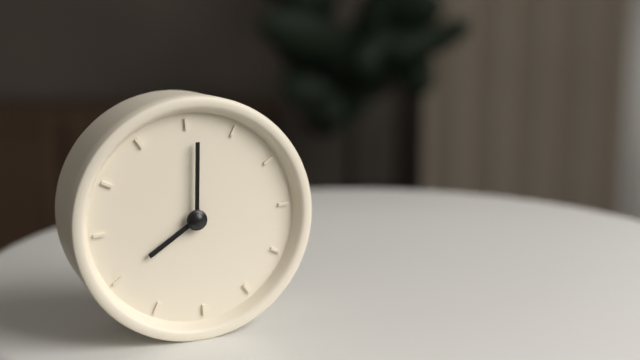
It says 8.01
